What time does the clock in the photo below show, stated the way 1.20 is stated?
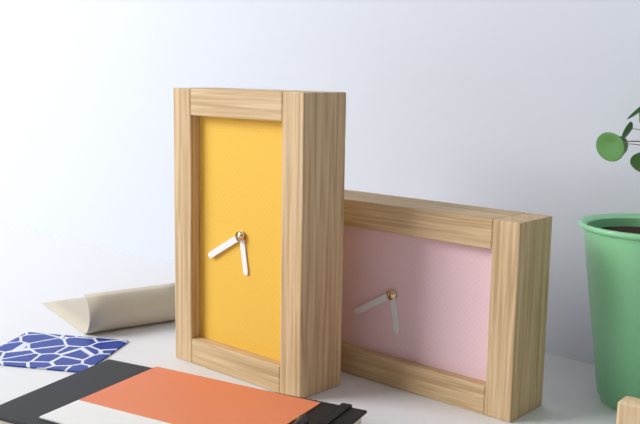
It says 5.40
